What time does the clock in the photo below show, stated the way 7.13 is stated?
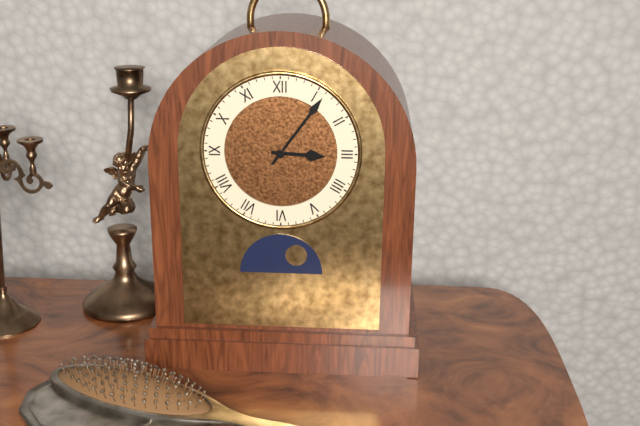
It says 3.06
